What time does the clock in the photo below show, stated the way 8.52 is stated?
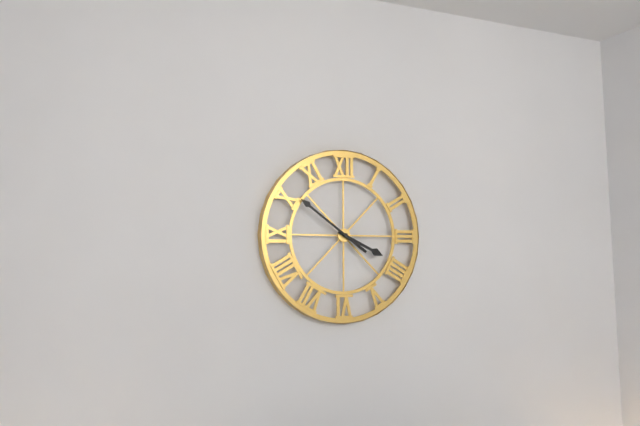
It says 3.51
